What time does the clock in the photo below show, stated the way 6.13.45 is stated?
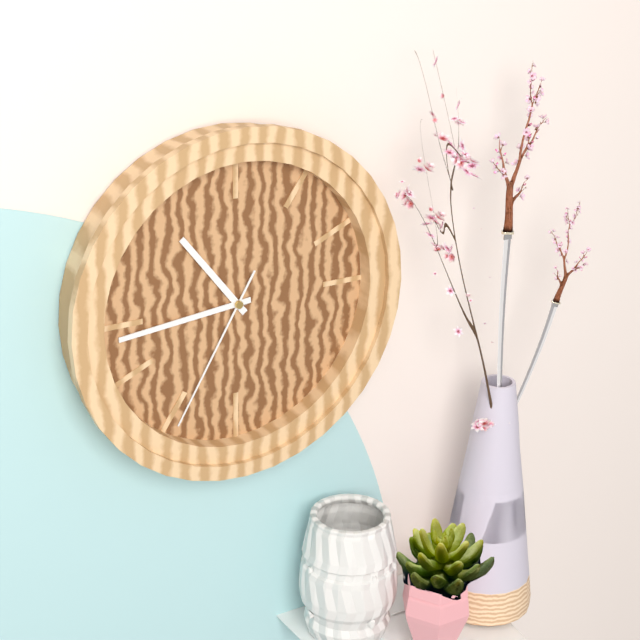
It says 10.44.35
